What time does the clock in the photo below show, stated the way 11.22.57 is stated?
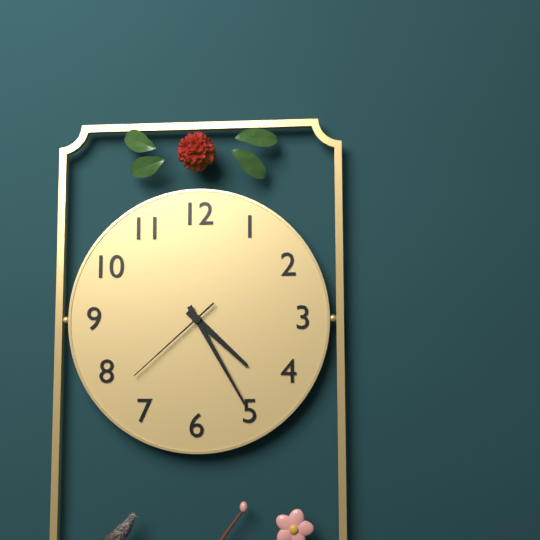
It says 4.25.38
